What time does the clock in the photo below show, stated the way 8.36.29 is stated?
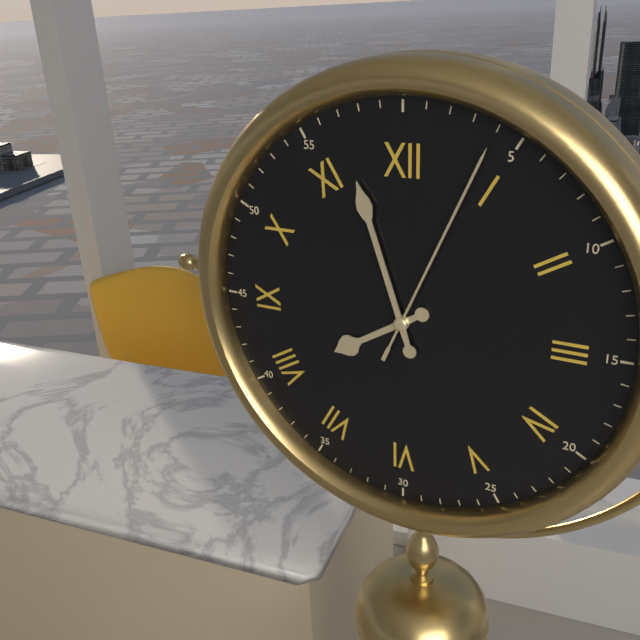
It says 7.57.04
